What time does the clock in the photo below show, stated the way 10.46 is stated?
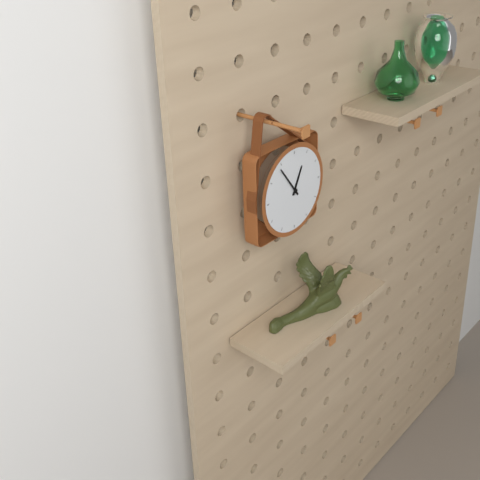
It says 12.54
